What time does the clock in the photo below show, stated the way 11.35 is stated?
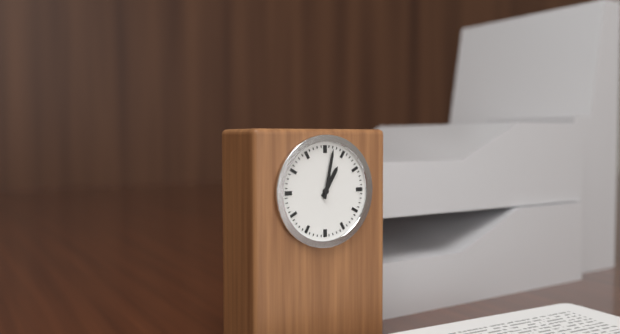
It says 1.02
